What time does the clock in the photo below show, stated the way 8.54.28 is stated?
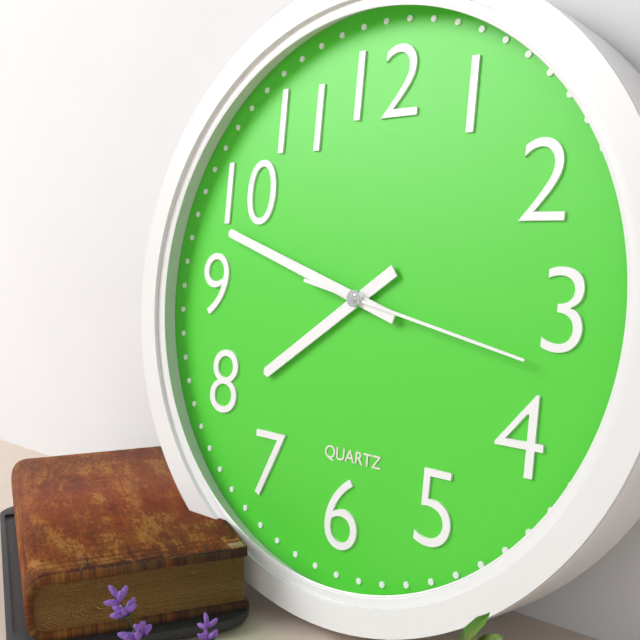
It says 7.48.17
